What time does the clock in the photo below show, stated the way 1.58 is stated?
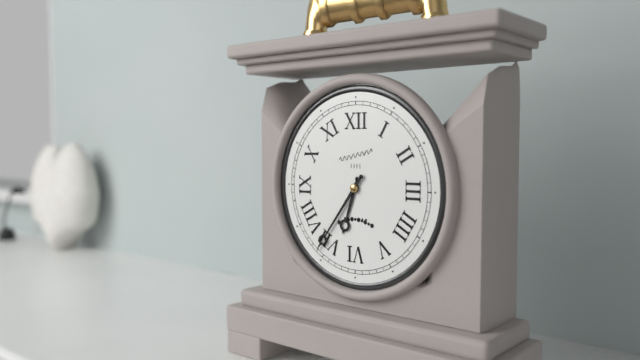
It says 6.36
